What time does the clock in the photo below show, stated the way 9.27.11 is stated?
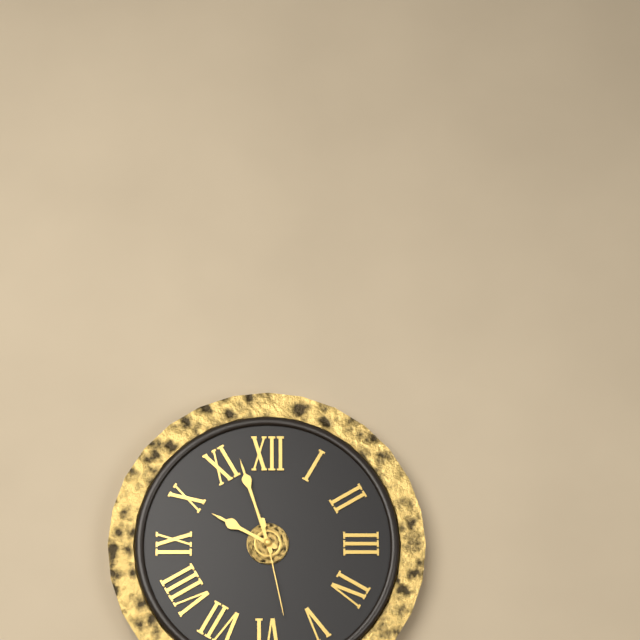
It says 9.57.28
